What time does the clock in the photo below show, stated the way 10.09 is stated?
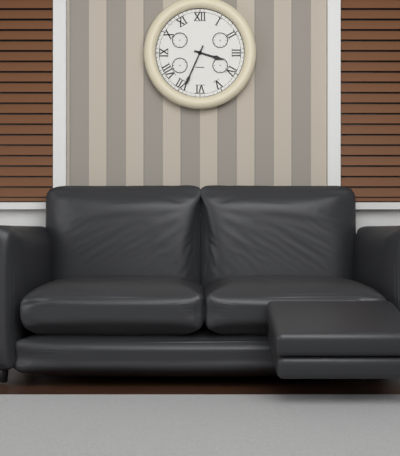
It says 3.34
